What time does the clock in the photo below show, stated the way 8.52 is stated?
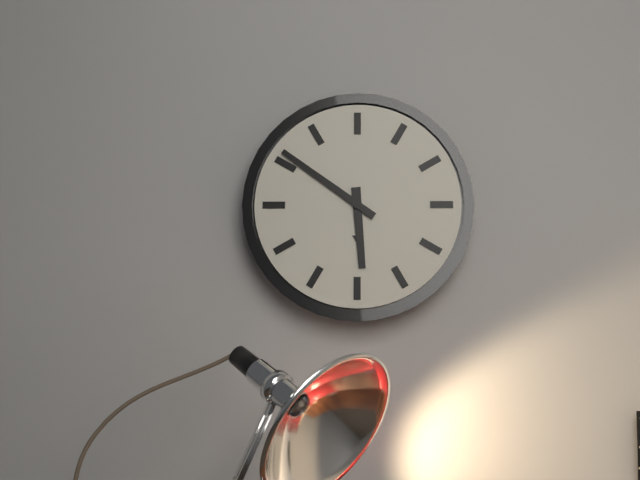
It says 5.51
